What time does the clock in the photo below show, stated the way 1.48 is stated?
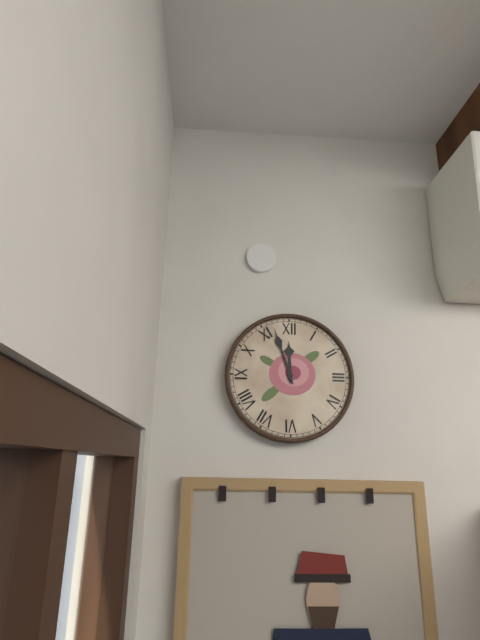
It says 11.57
